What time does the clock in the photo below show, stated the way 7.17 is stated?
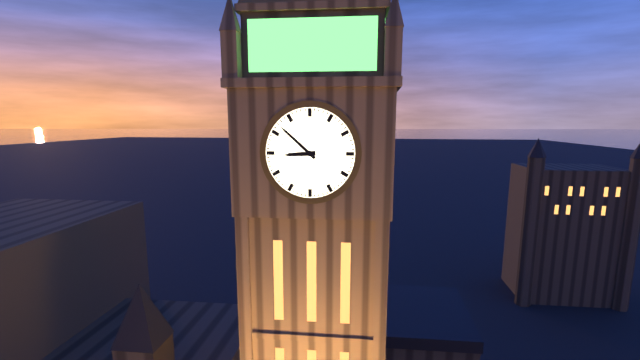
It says 8.52
